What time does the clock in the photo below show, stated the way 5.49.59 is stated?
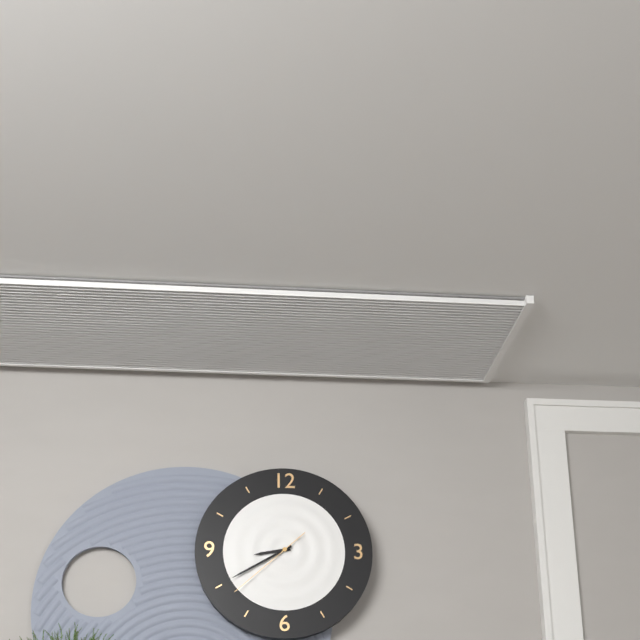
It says 8.40.38
